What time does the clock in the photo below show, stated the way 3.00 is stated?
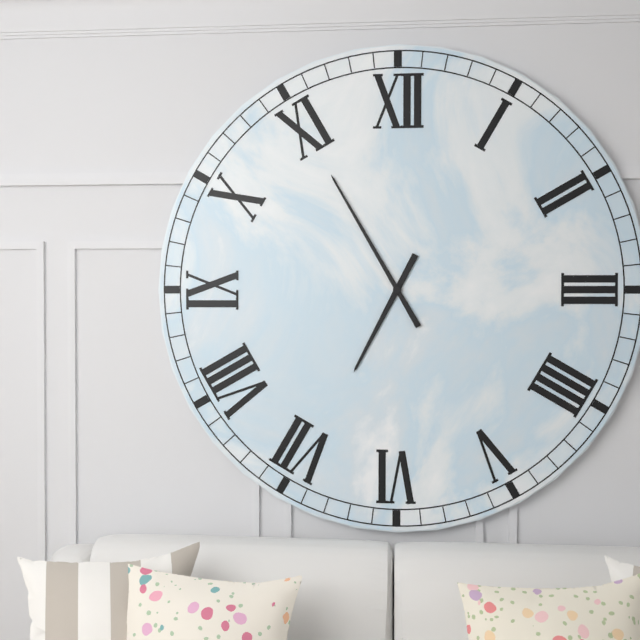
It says 6.55
